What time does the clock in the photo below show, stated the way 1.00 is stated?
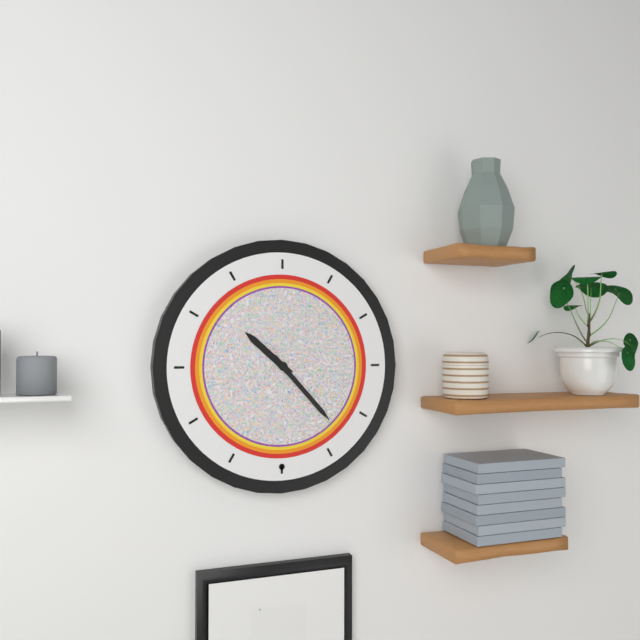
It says 10.23
